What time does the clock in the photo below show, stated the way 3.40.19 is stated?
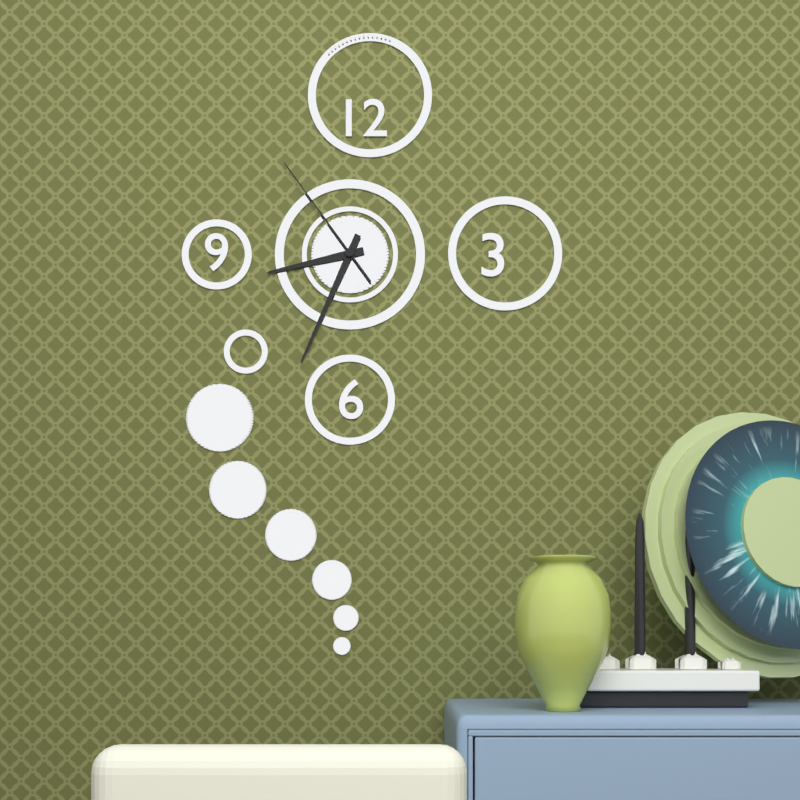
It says 8.34.54
